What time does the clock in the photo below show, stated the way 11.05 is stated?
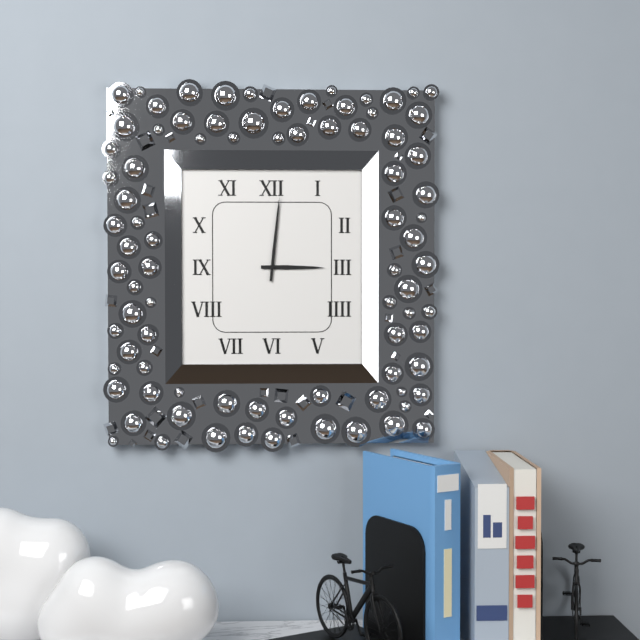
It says 3.01
